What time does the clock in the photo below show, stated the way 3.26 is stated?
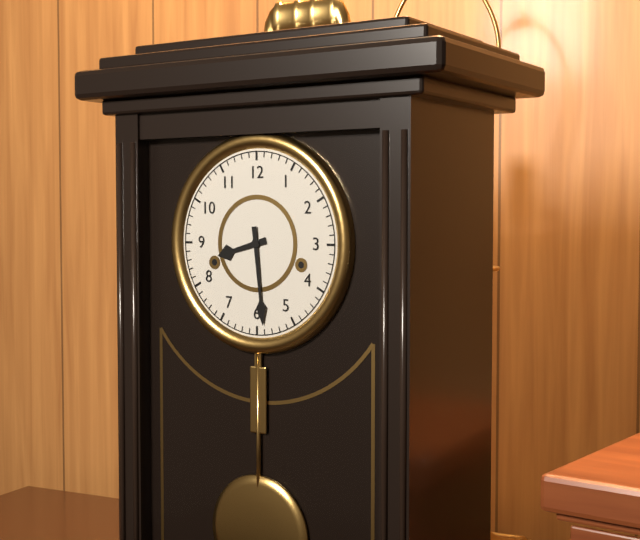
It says 8.29
